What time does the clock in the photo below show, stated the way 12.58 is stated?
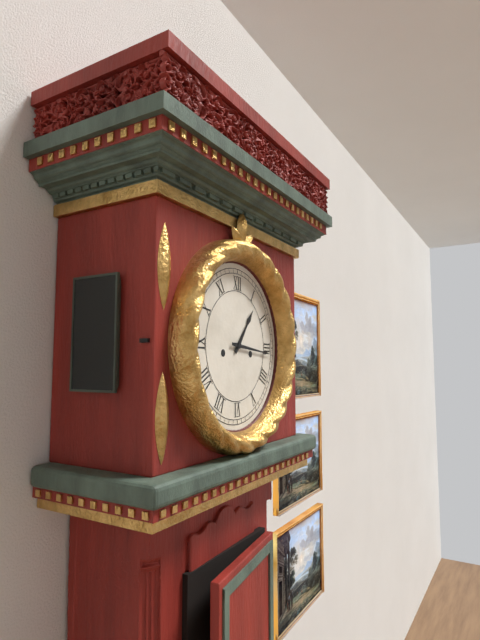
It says 1.16
